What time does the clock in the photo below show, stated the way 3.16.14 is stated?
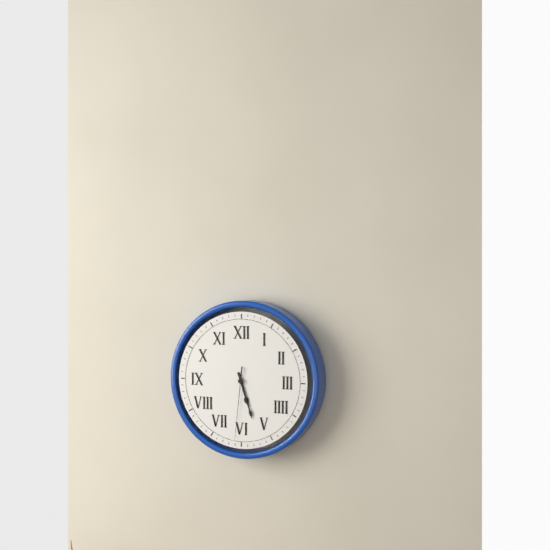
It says 5.27.31
